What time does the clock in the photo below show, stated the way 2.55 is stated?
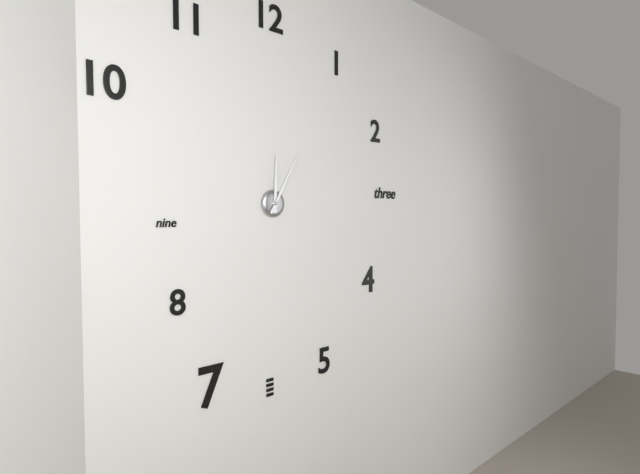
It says 12.05
